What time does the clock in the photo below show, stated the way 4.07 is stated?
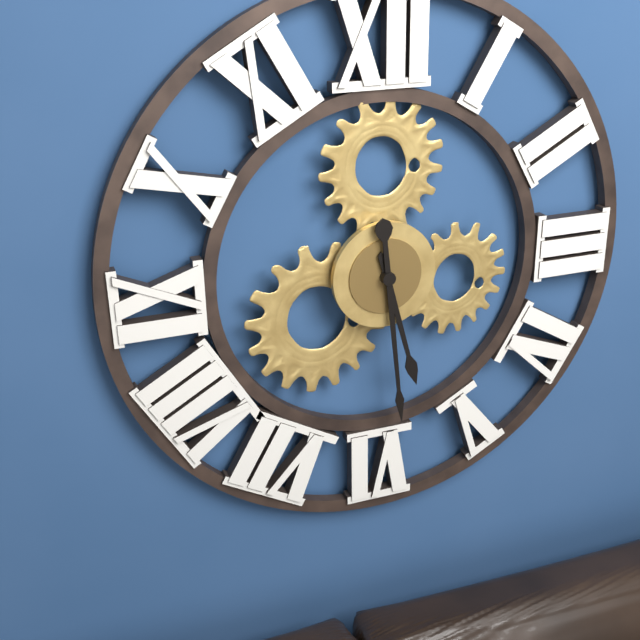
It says 5.29
